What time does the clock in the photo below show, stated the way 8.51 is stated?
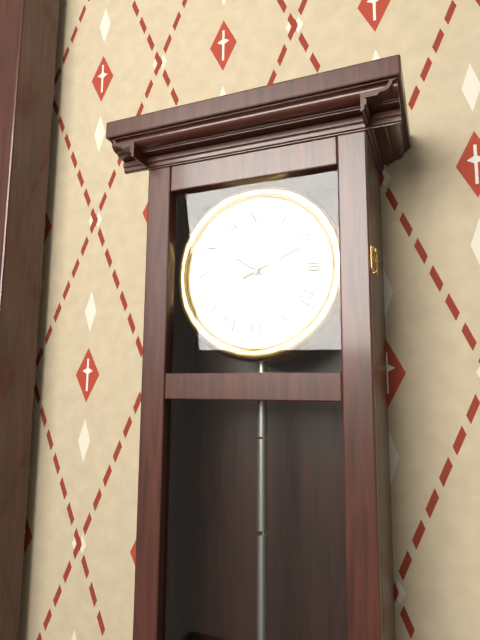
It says 10.11
